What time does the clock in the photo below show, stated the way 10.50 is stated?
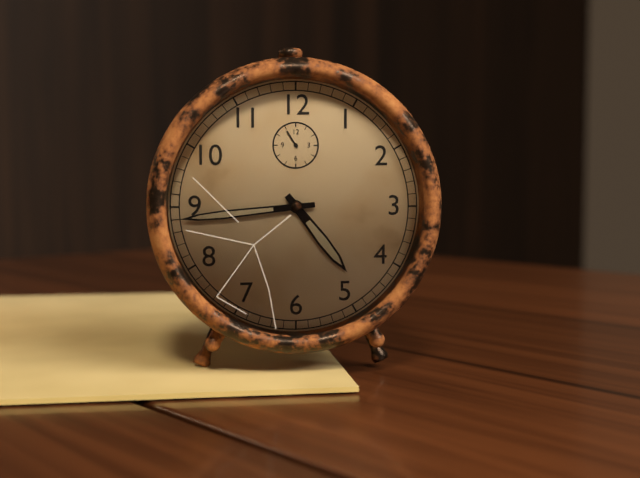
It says 4.44
